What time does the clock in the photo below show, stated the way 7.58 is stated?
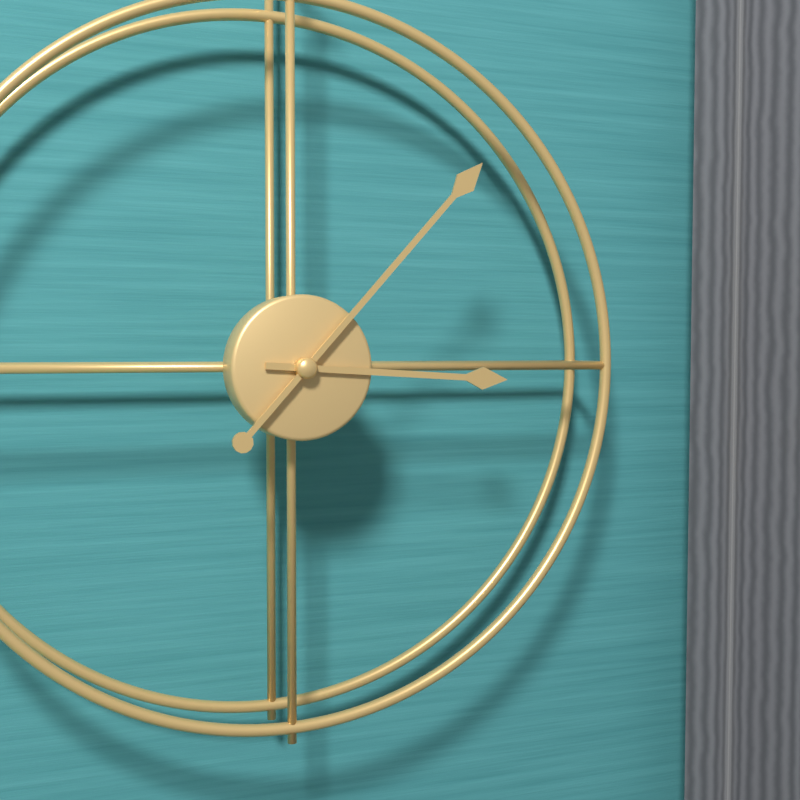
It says 3.07
